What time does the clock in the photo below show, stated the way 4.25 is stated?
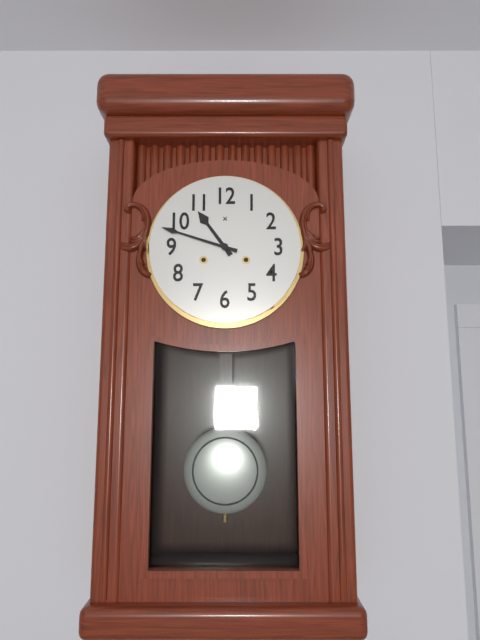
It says 10.48
